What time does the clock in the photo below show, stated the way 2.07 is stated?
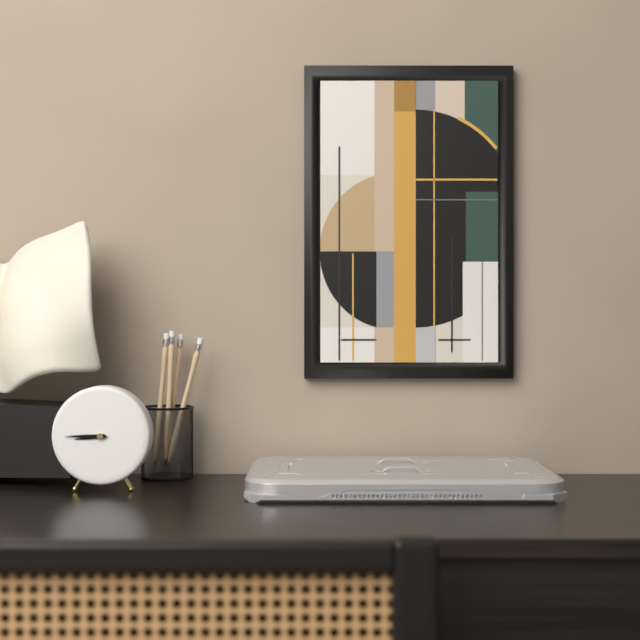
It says 8.45
